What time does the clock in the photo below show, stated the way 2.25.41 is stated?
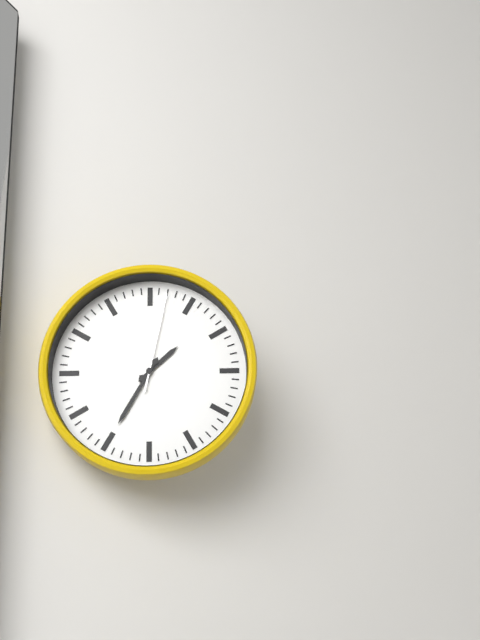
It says 1.35.02
